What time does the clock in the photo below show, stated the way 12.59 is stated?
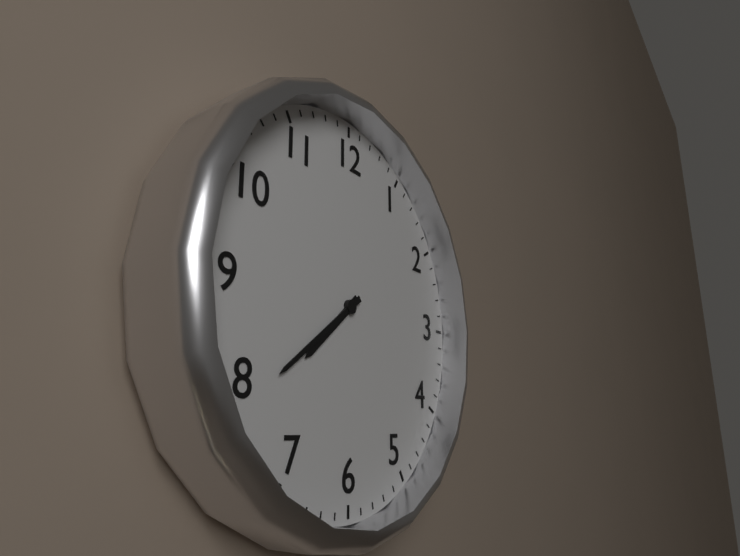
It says 7.39
